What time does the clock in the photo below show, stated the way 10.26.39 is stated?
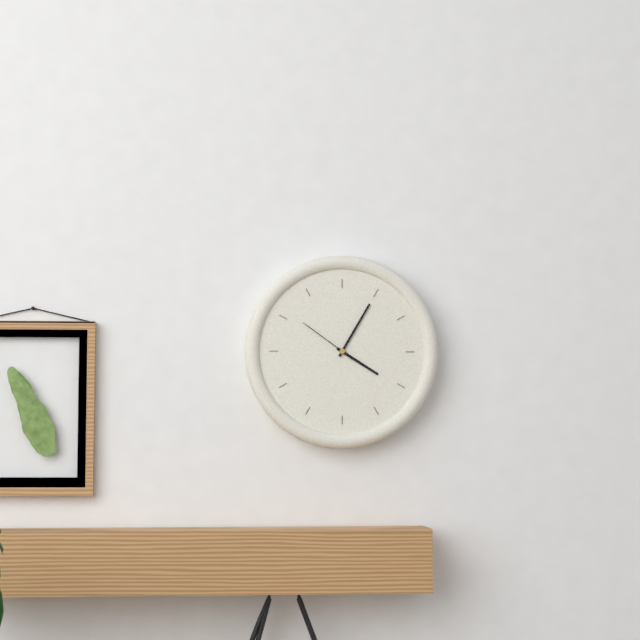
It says 4.05.51
